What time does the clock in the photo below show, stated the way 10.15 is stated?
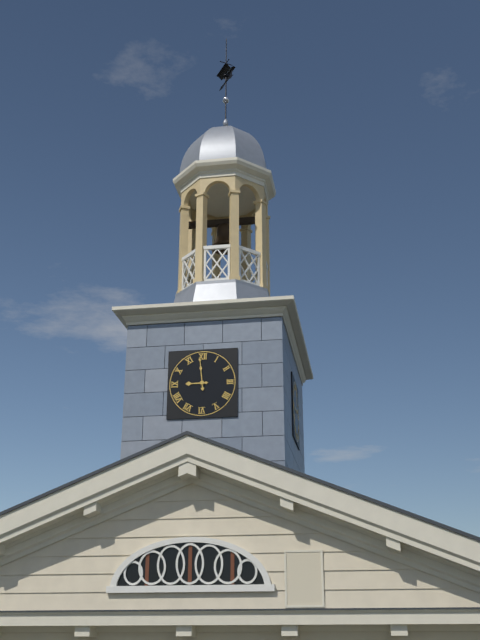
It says 8.59
